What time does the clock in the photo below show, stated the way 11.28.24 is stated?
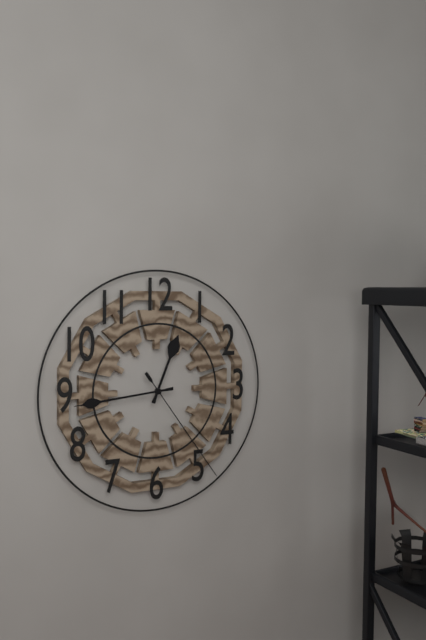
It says 12.44.24
